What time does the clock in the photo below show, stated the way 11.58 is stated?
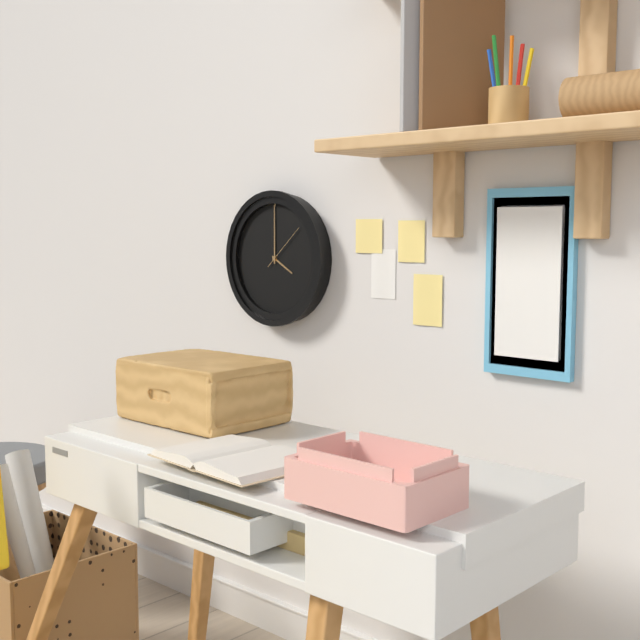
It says 4.00
